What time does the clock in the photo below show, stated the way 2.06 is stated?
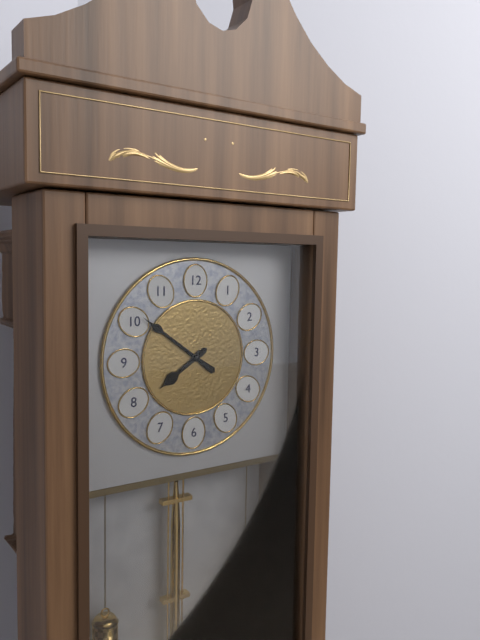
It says 7.51
